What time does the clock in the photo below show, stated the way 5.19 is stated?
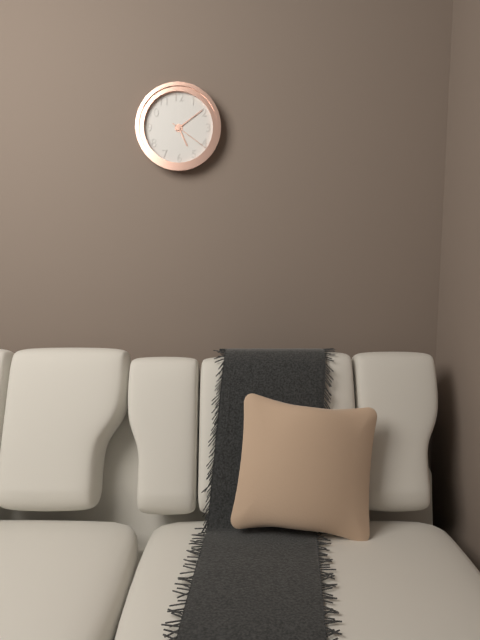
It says 5.09
